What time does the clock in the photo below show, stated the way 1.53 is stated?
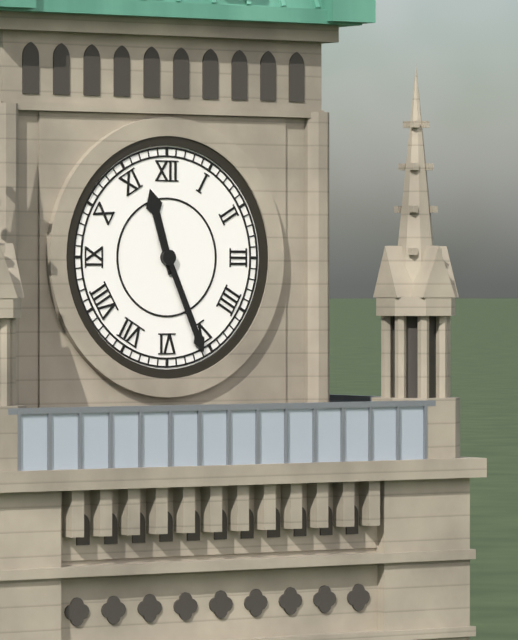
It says 11.26
